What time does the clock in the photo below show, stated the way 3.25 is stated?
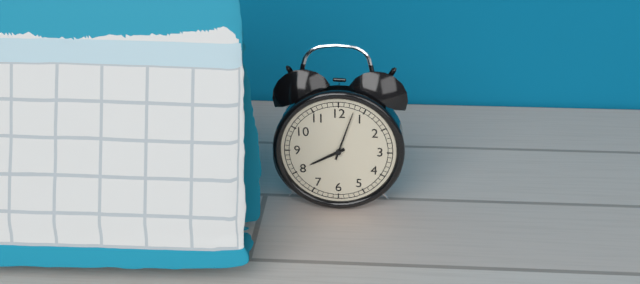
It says 8.03
